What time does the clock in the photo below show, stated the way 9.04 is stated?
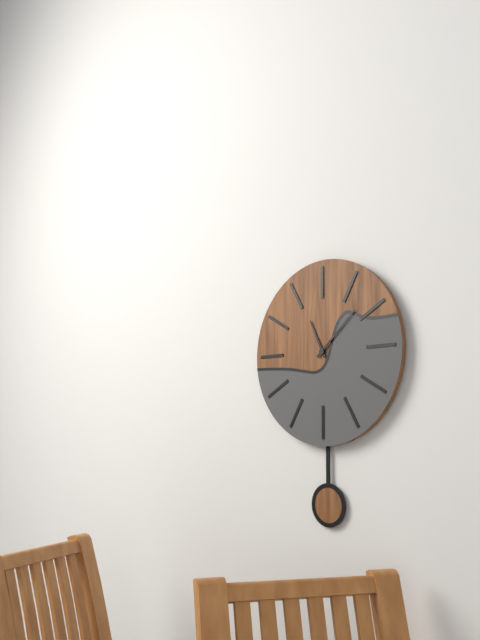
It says 11.08
